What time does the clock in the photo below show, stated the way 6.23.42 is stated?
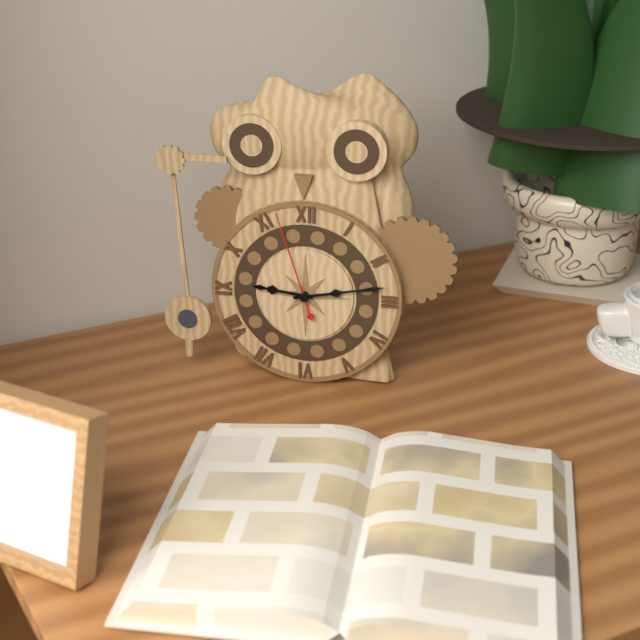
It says 9.13.57
